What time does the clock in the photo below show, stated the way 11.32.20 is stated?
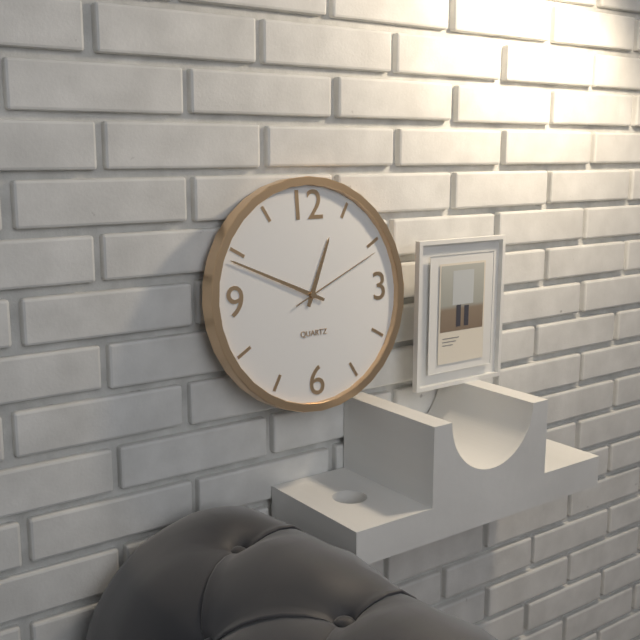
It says 12.49.11
